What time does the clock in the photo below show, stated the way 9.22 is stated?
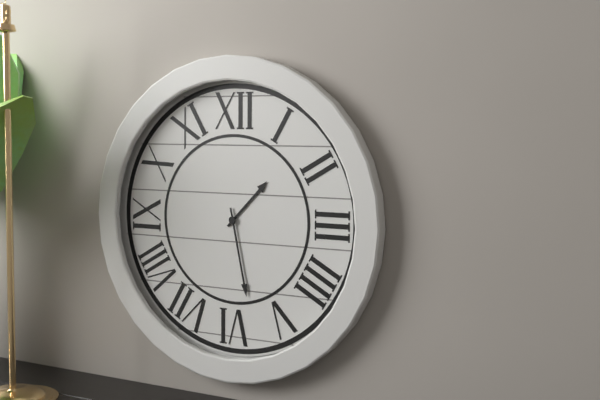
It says 1.28
